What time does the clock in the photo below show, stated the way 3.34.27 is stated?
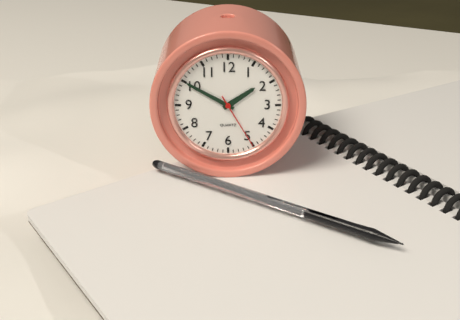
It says 1.50.25
